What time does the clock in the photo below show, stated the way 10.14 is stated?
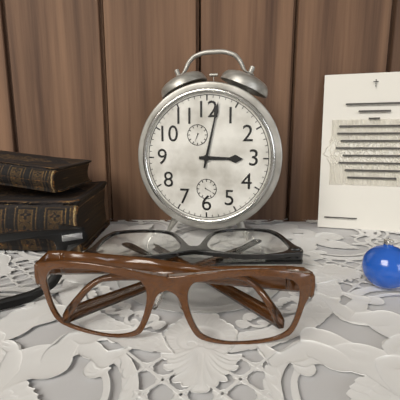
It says 3.02
